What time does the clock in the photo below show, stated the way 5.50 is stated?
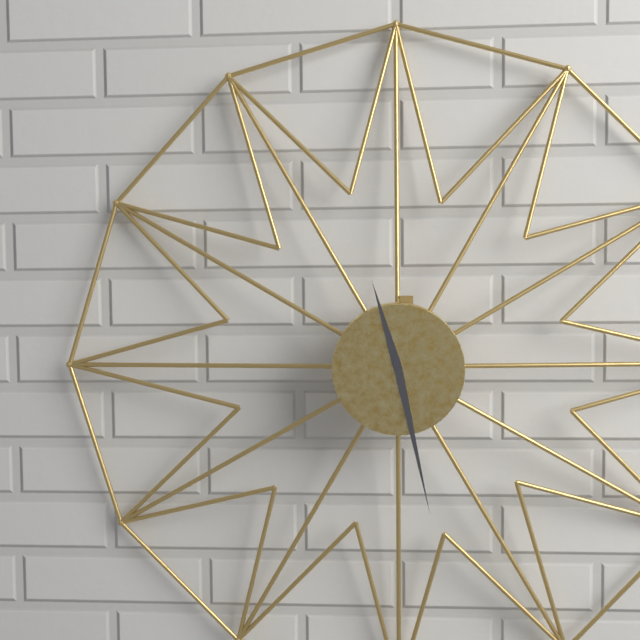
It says 11.28
